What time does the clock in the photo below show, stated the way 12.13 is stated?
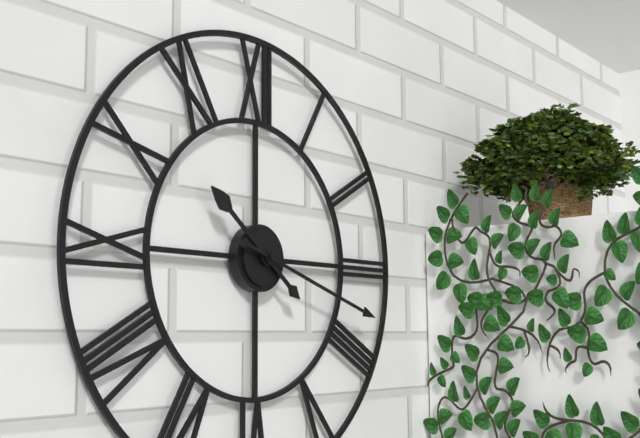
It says 10.18
